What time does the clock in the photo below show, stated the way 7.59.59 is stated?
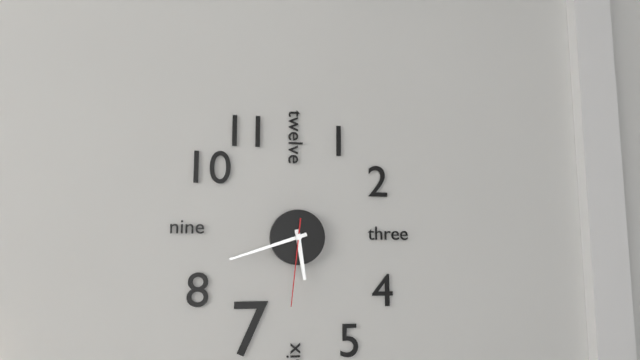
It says 5.42.31
